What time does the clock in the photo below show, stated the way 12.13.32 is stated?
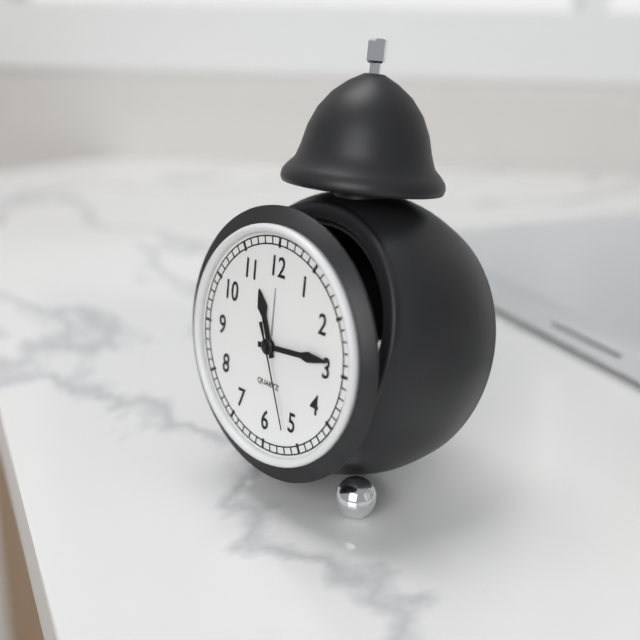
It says 11.14.26
